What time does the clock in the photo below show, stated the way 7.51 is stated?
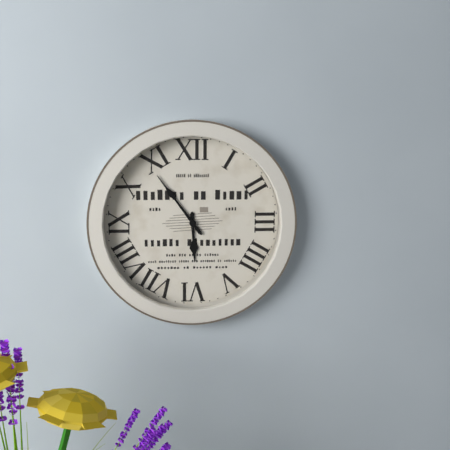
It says 5.54
